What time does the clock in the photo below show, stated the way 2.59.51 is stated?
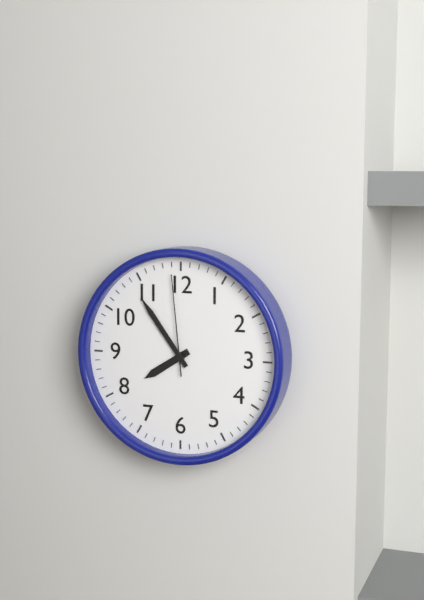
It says 7.54.59
